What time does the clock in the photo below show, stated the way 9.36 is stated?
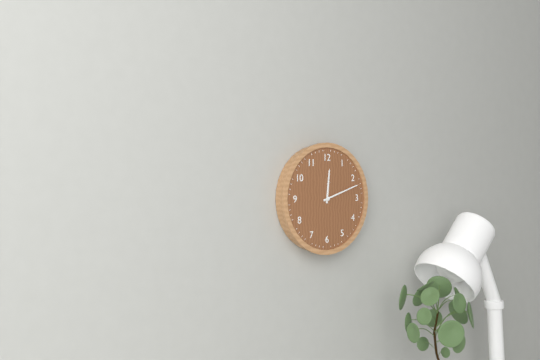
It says 12.12
